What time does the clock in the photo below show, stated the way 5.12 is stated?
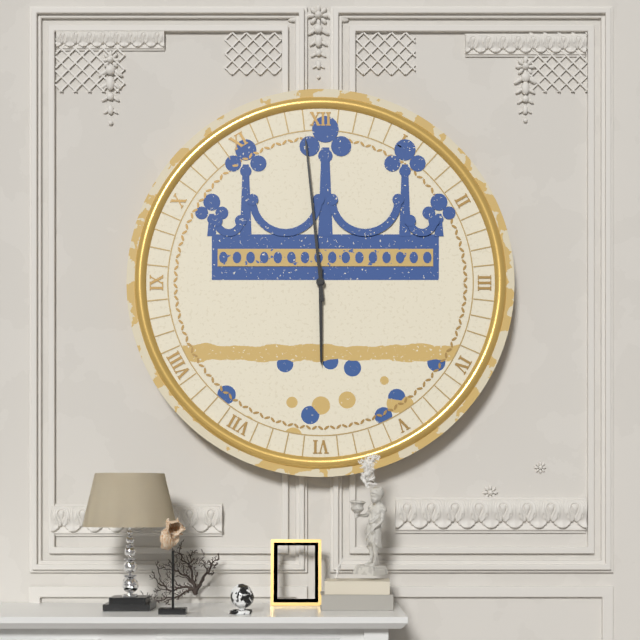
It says 5.59
